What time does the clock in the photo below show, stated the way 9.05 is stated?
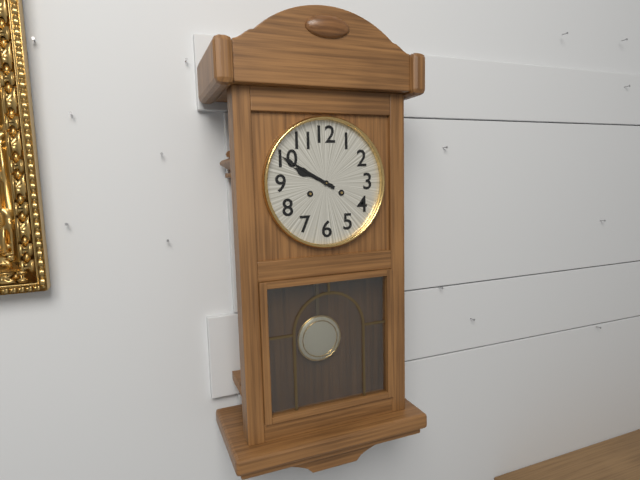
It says 9.50
